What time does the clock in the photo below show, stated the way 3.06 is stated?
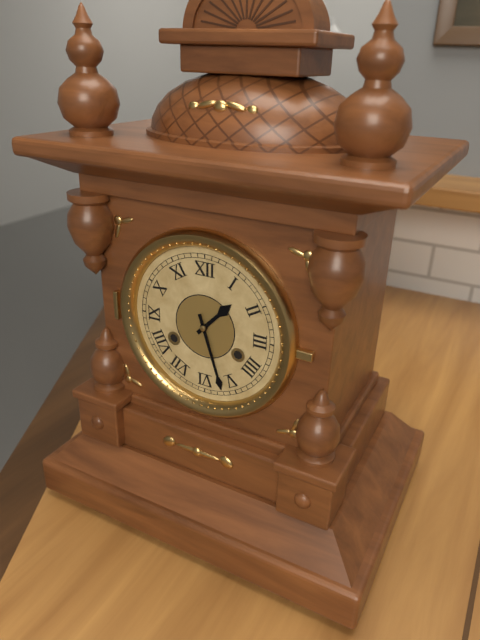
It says 1.27
